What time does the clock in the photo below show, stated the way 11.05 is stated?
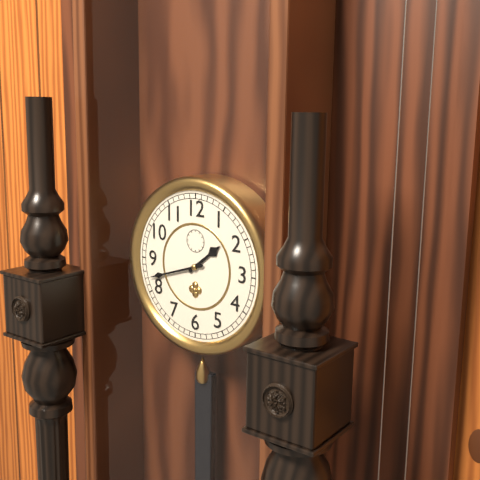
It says 1.42
